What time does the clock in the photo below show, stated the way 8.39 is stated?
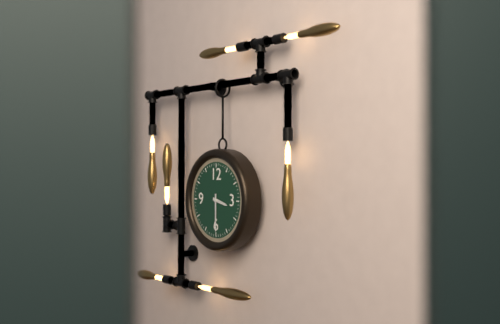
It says 3.30
